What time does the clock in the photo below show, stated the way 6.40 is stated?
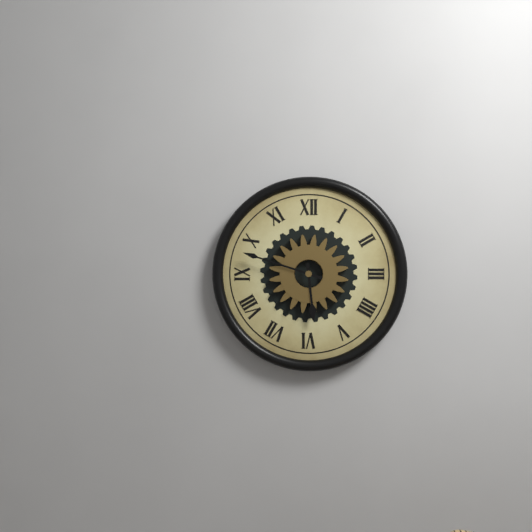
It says 5.48
